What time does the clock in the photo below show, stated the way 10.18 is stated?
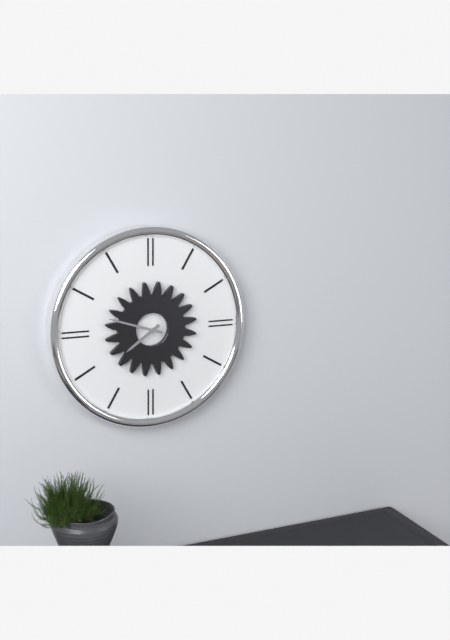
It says 7.48
